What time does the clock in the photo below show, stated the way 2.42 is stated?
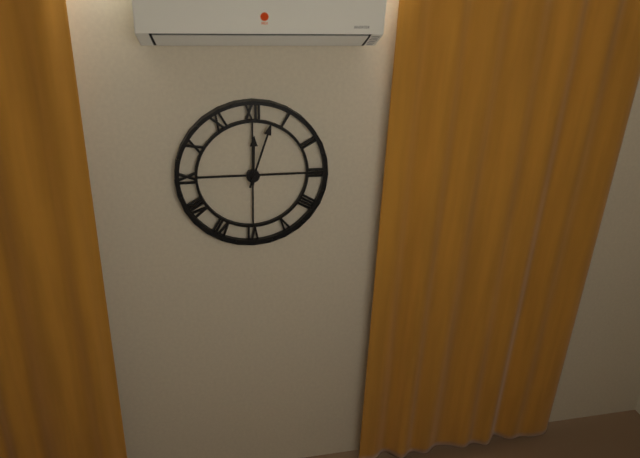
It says 12.03
